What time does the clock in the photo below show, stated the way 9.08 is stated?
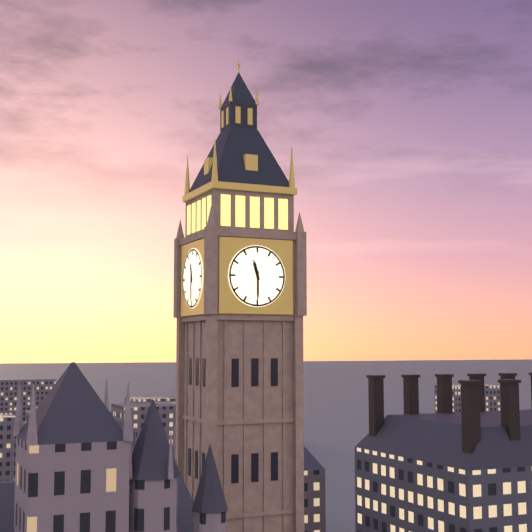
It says 11.30
